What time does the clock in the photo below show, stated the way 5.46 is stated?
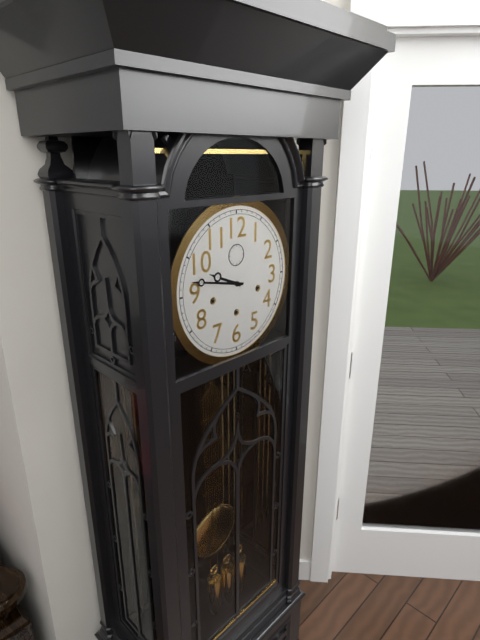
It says 9.47
